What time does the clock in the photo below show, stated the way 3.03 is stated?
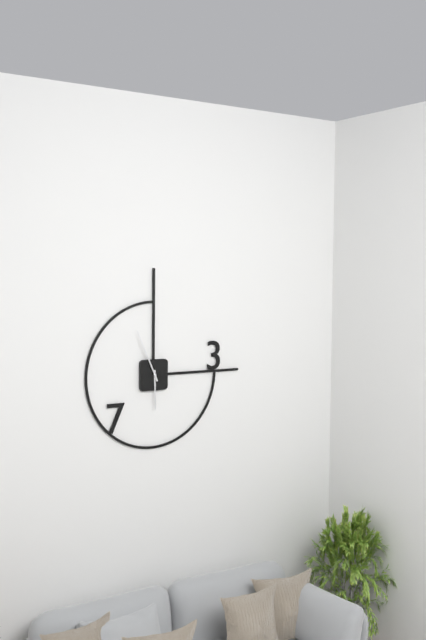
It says 5.56
